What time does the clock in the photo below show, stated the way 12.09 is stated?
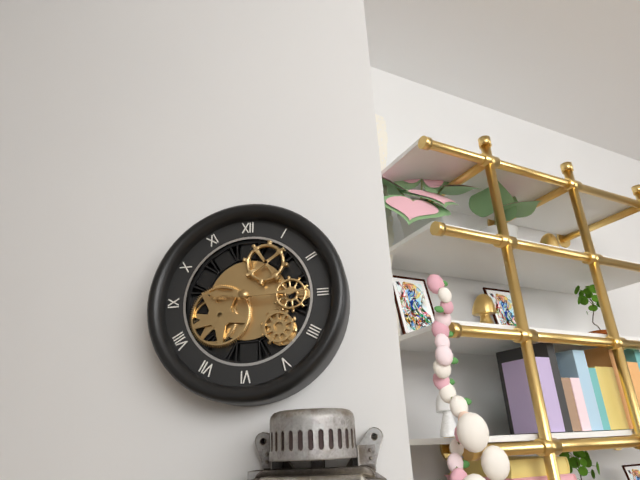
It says 9.15
